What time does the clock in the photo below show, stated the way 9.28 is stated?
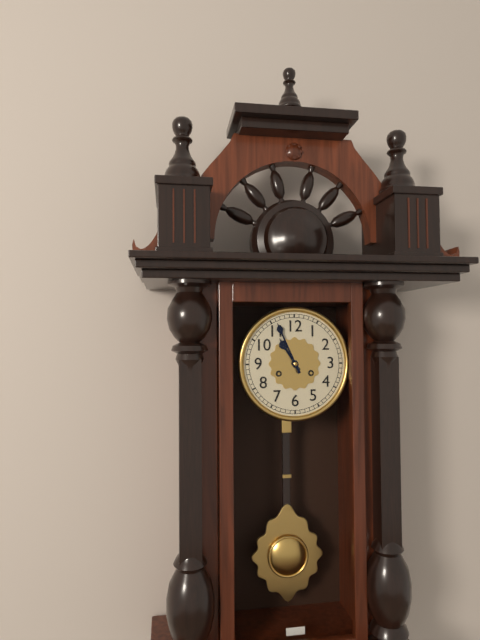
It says 10.56
